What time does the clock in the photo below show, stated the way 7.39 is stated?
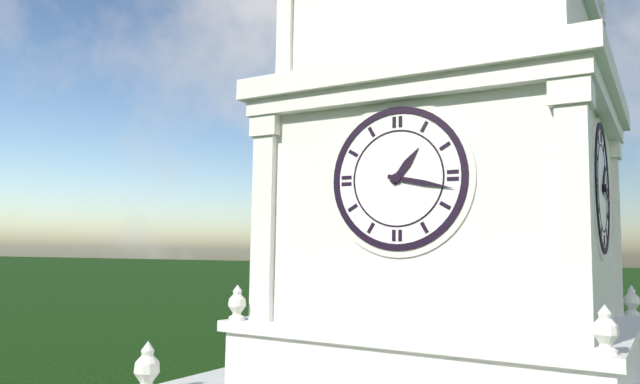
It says 1.17
